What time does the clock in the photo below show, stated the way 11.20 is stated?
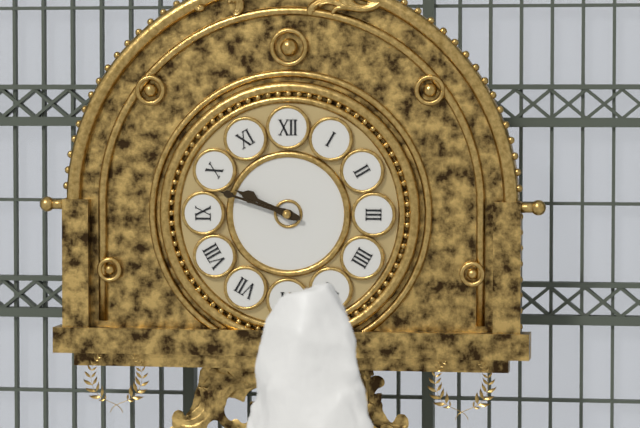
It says 9.48
